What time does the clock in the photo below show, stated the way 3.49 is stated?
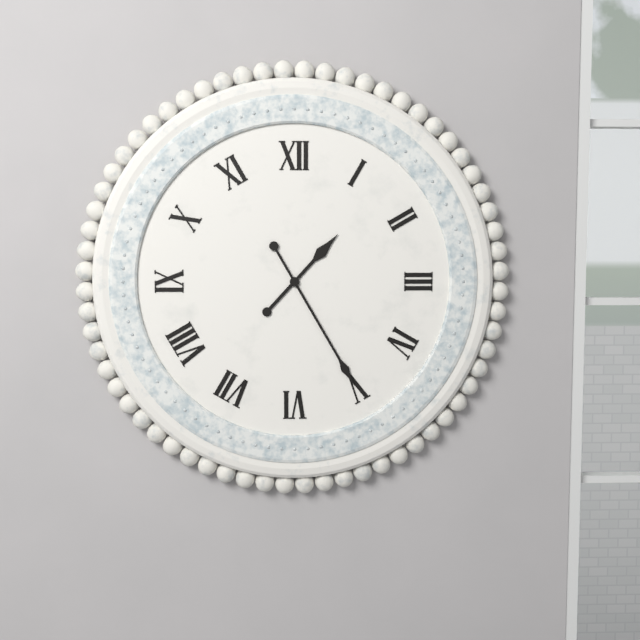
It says 1.25
